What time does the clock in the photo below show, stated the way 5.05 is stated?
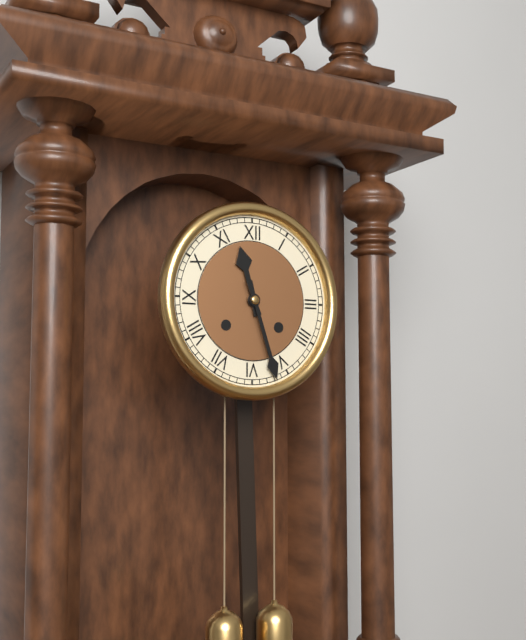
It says 11.27
